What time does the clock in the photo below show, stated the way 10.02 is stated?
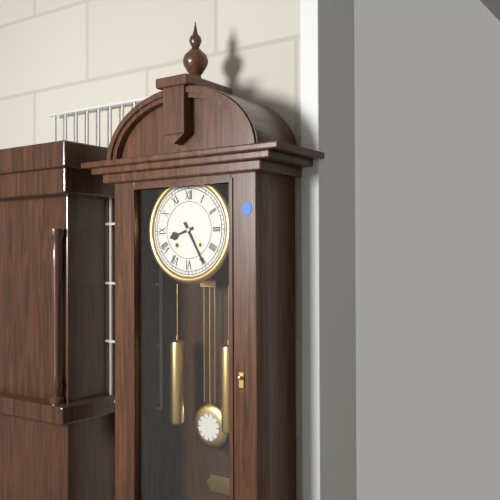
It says 8.25
